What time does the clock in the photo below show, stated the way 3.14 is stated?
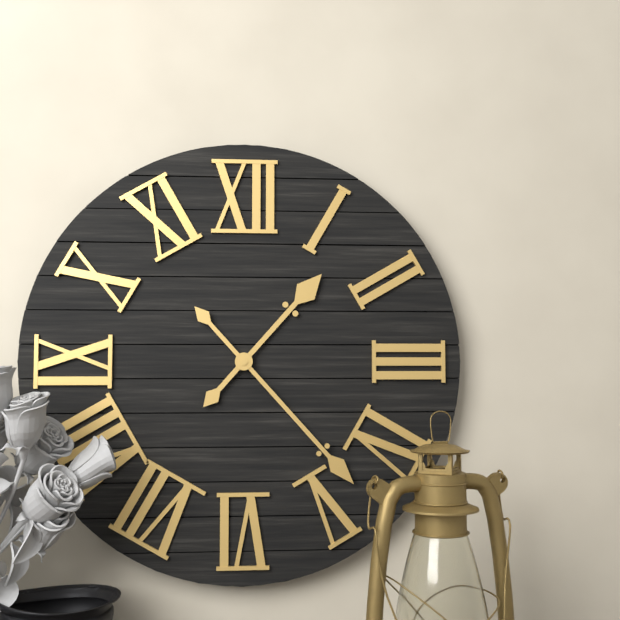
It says 1.23
